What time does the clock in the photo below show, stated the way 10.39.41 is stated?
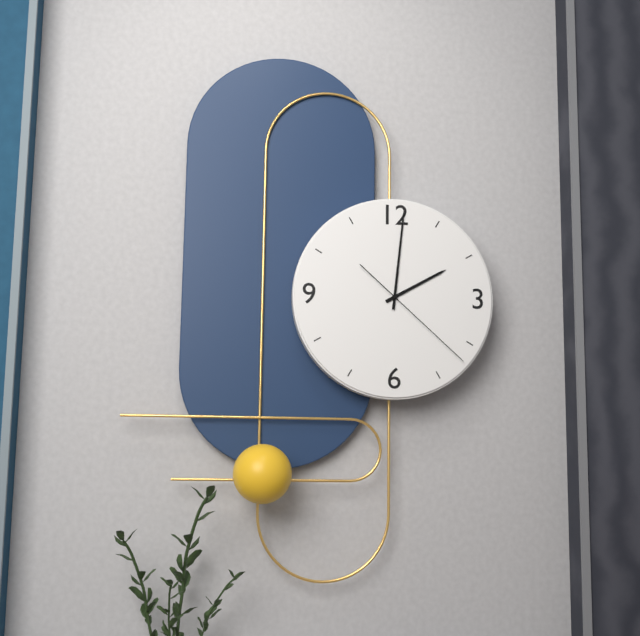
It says 2.01.22
